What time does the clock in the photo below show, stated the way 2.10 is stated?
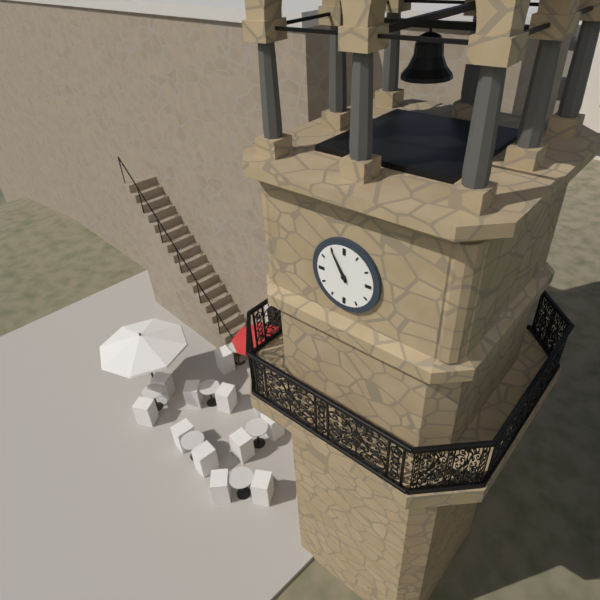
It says 10.55
